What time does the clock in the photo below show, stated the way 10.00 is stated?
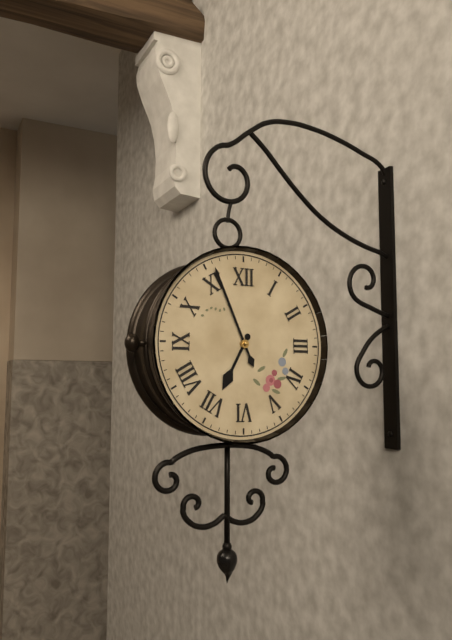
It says 6.56
